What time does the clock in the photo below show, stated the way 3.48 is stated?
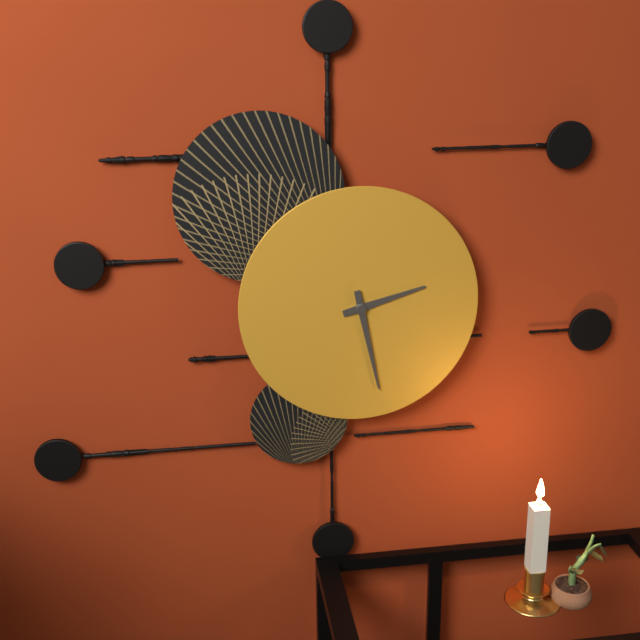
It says 2.28
